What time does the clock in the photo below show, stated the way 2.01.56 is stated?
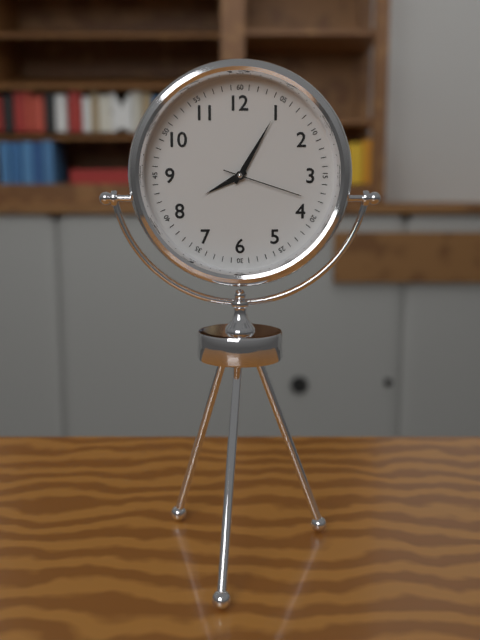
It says 8.05.18
